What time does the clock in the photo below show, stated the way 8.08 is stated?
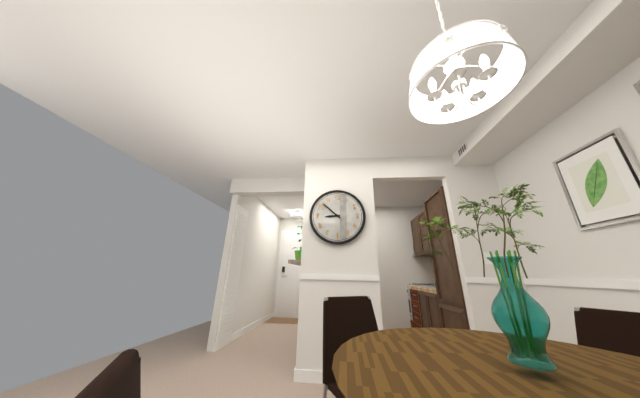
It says 8.52
